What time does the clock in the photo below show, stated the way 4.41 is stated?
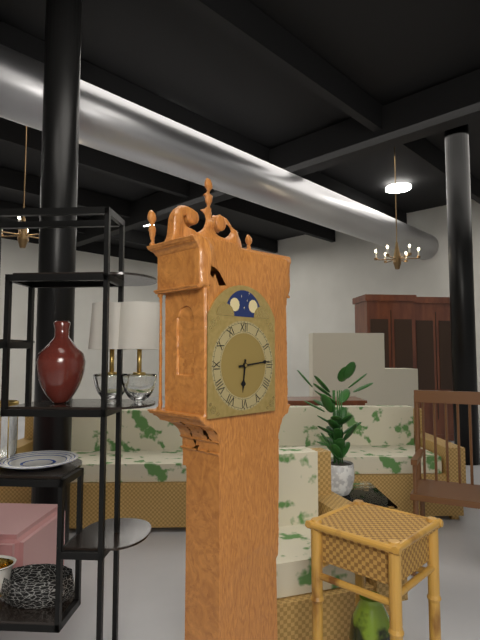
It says 6.14
